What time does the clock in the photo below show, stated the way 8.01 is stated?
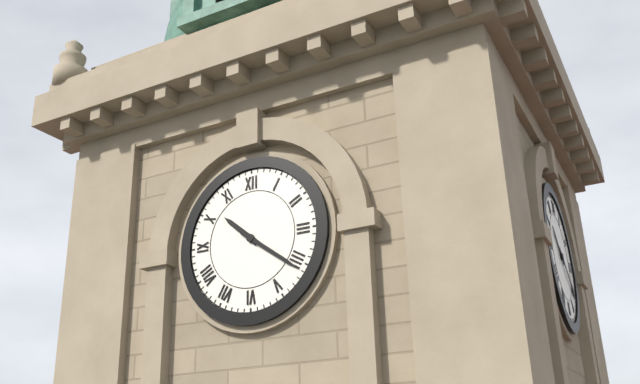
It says 10.21
